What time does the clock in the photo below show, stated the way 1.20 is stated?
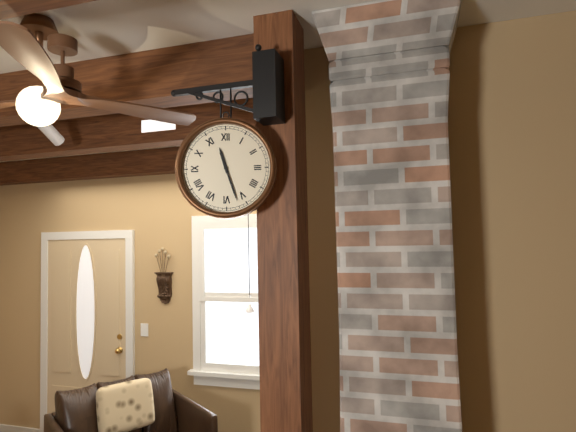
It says 11.27
